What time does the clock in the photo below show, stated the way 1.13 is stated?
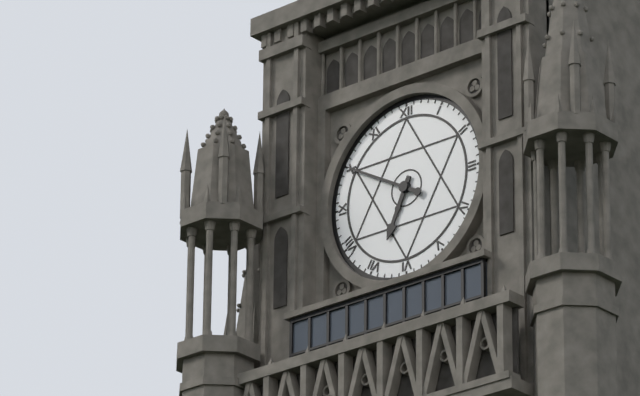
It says 6.50
